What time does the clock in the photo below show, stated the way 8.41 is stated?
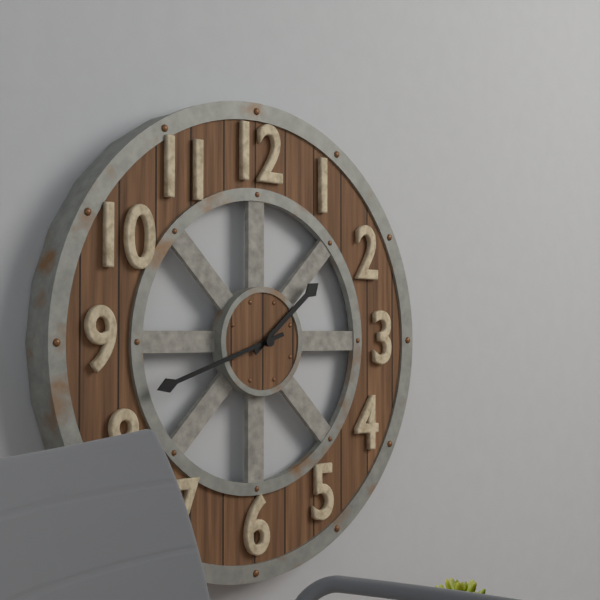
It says 1.42
